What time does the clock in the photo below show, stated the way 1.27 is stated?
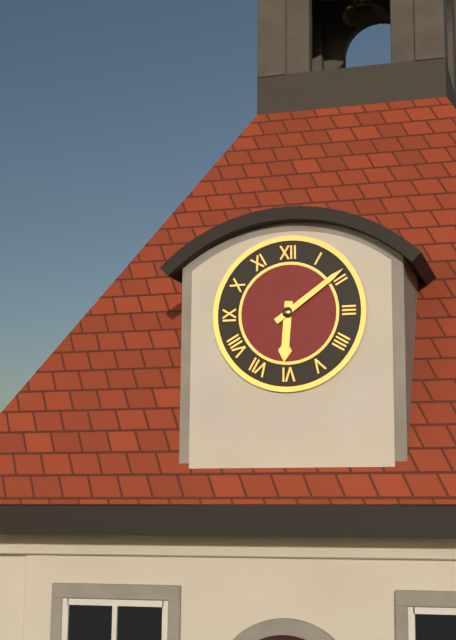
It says 6.09
